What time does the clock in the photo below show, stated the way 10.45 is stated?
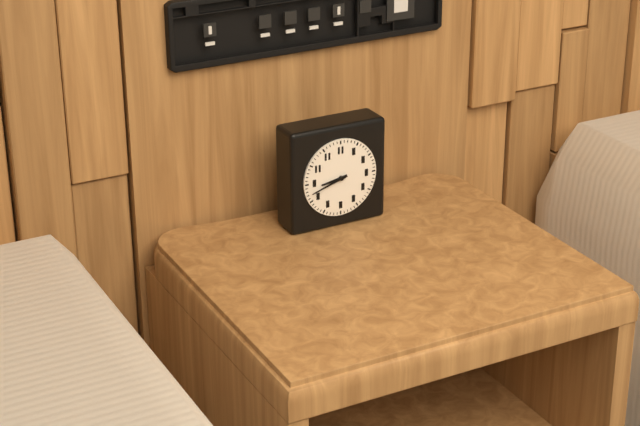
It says 8.42
